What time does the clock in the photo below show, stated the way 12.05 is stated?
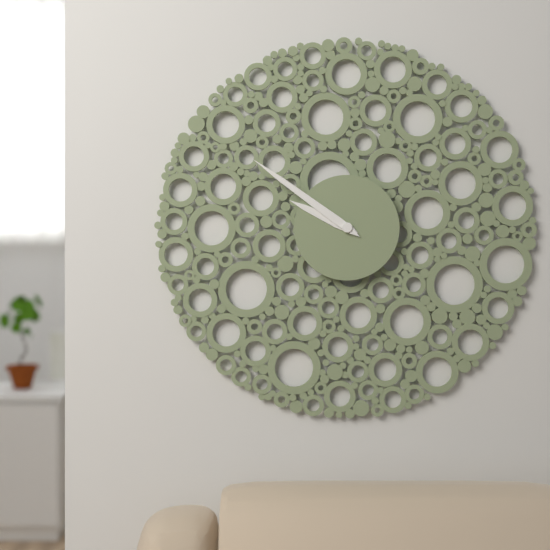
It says 9.51
